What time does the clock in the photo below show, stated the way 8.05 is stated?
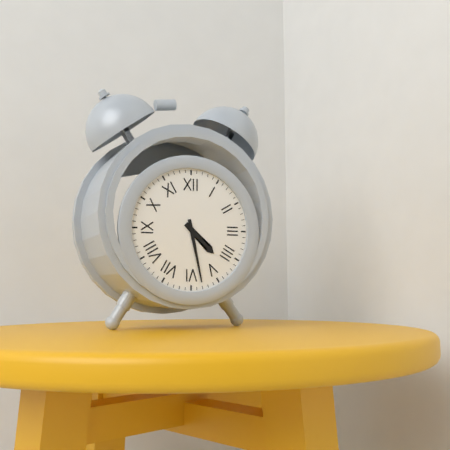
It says 4.28
